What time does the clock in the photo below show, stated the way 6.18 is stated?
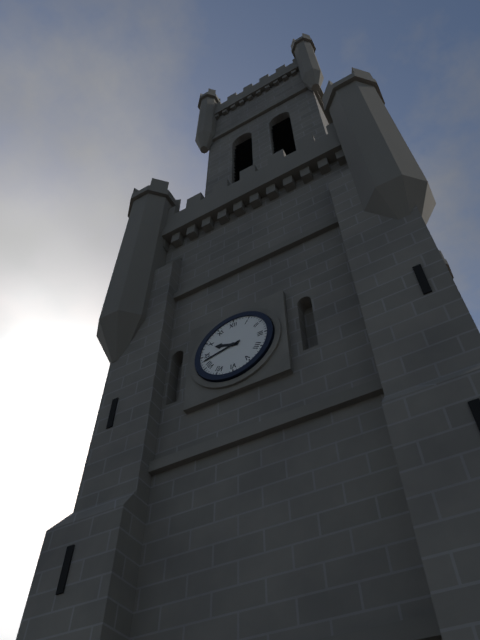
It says 9.43
